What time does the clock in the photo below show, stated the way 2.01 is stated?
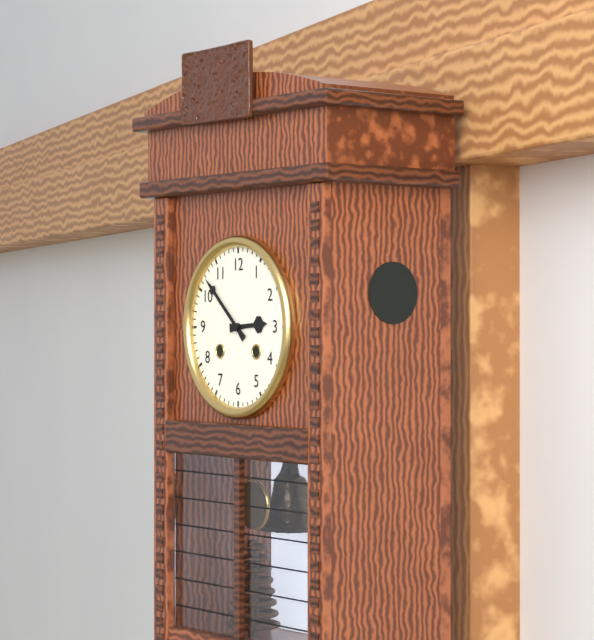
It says 2.52
